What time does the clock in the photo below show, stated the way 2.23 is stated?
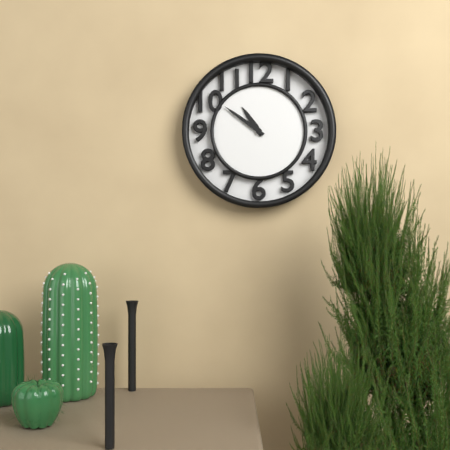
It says 10.51
